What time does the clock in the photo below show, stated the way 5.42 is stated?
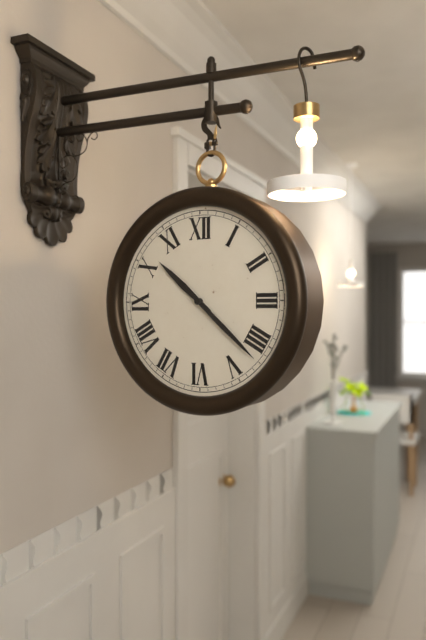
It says 10.22
